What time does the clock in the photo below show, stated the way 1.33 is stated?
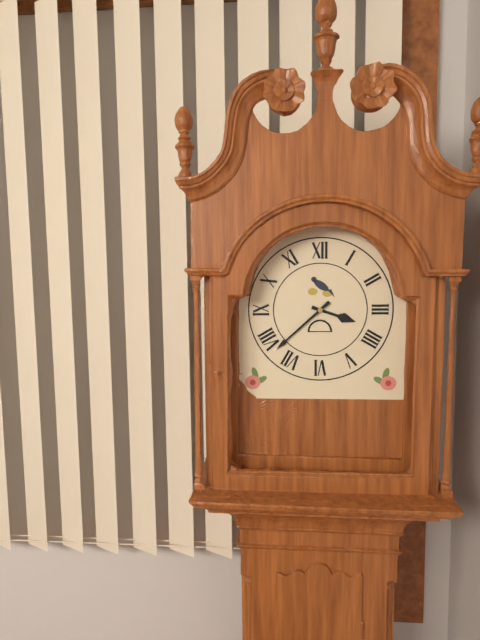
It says 3.38
